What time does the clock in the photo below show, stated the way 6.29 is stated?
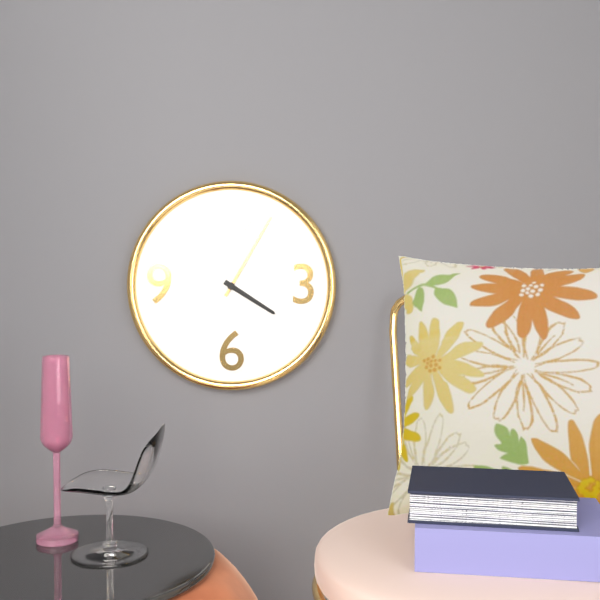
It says 4.05
